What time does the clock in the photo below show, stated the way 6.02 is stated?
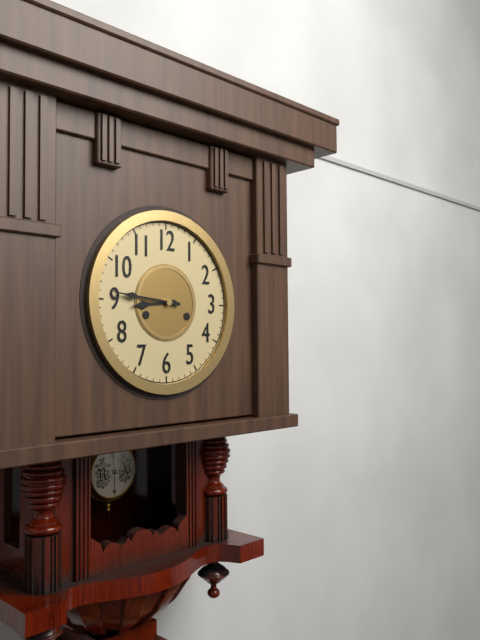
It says 8.46
